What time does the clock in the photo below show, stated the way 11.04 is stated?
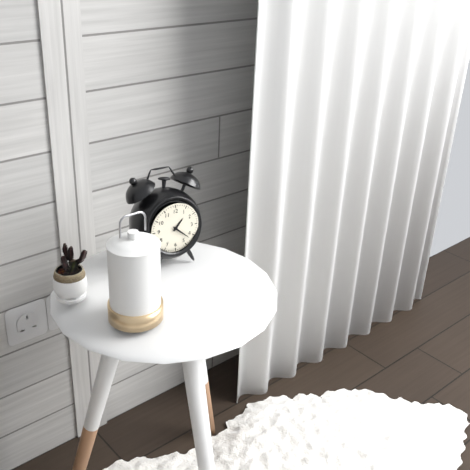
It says 1.22
